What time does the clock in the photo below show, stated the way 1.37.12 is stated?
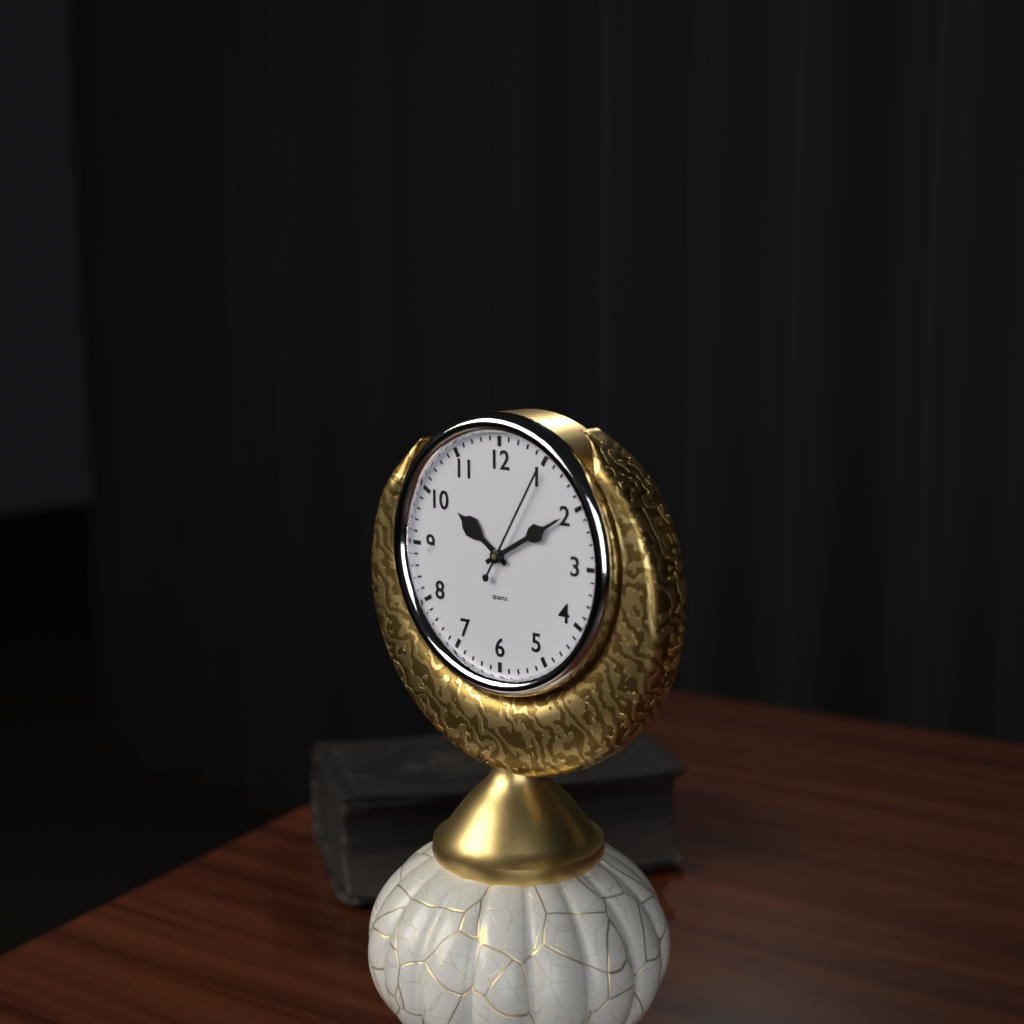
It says 10.10.05
